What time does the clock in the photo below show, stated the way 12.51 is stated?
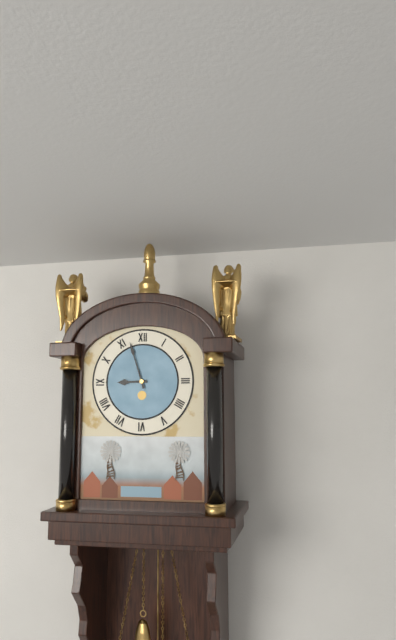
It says 8.57
